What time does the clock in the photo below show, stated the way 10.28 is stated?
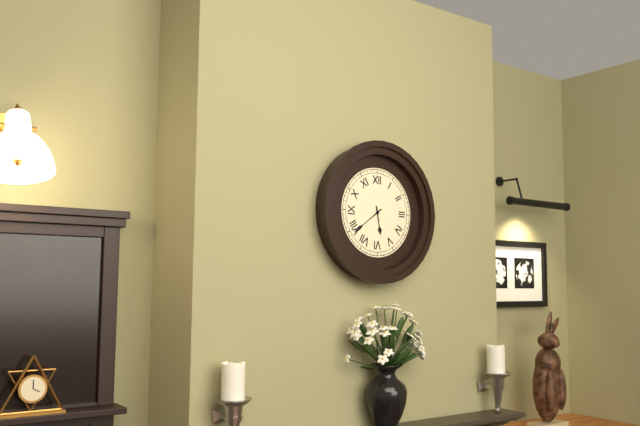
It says 5.39
